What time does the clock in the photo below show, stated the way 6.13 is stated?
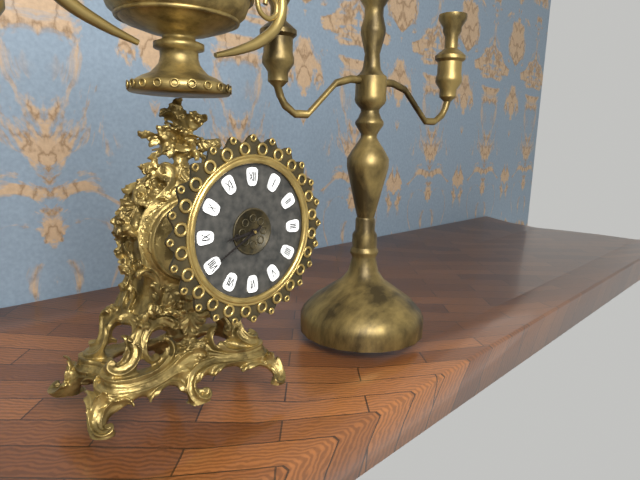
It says 8.40
